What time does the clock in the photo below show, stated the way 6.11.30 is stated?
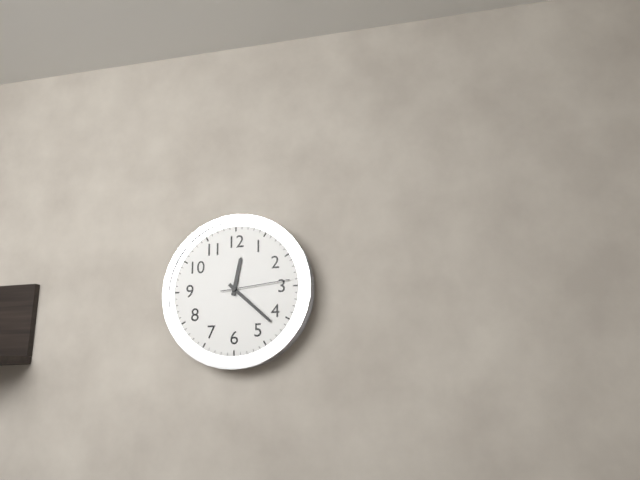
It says 12.22.14
